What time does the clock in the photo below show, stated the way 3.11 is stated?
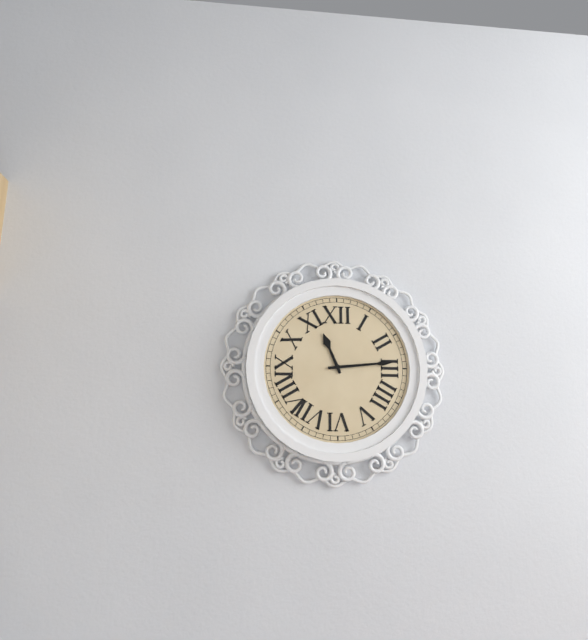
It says 11.14
